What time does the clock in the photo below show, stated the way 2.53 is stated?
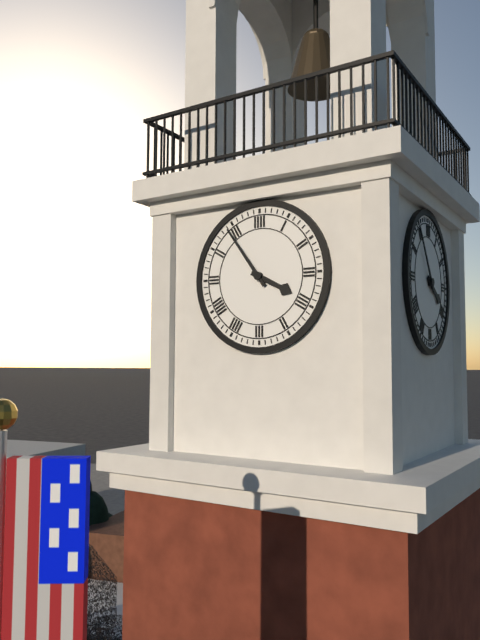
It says 3.54
